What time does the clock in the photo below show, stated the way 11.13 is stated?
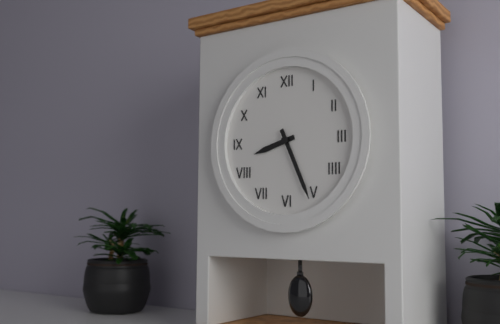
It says 8.26
